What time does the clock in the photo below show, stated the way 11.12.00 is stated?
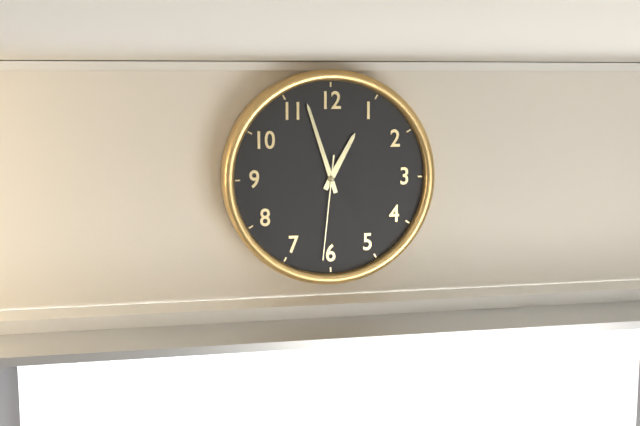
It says 12.57.31
